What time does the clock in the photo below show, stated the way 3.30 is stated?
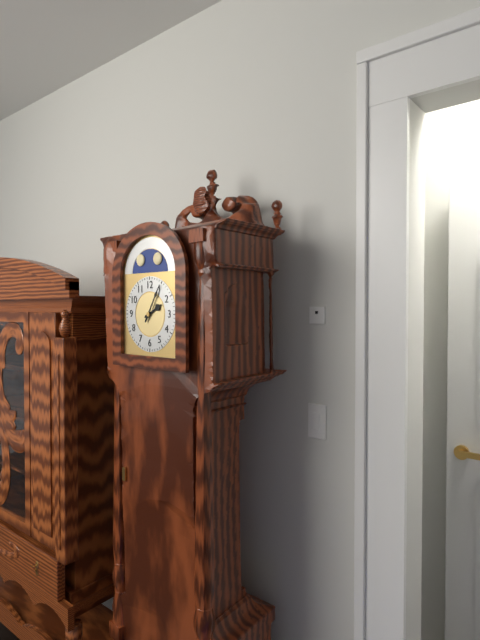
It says 2.05
